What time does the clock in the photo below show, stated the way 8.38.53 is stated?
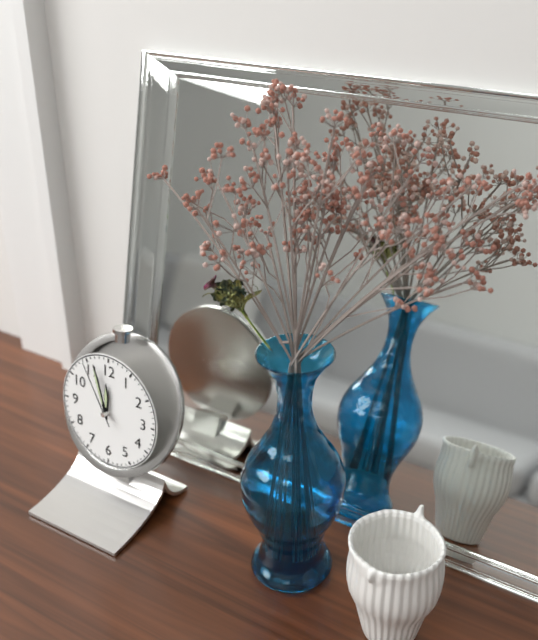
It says 11.57.55
